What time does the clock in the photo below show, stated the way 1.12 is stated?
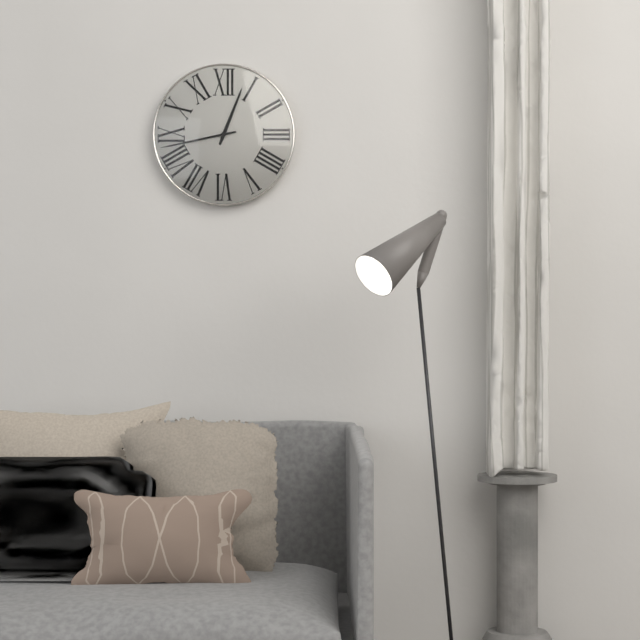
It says 12.43
